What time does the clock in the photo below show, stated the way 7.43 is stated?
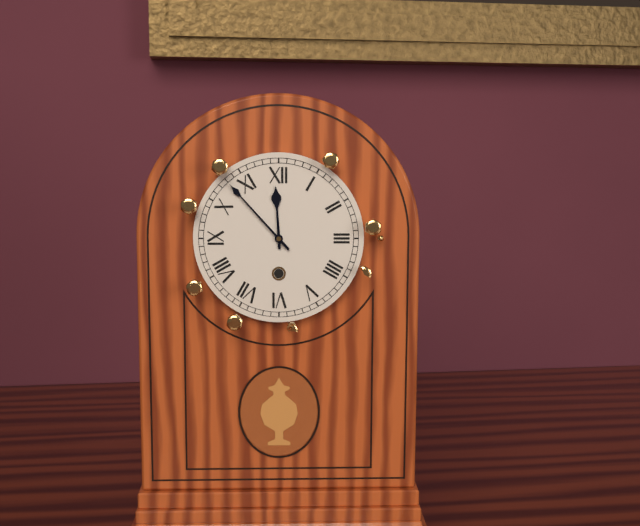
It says 11.53
